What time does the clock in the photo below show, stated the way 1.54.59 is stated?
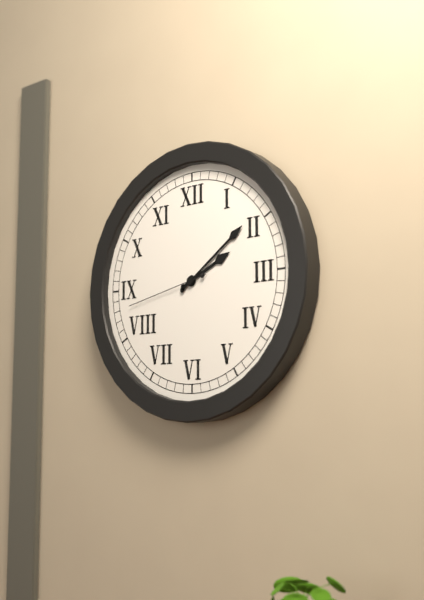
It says 2.09.43
